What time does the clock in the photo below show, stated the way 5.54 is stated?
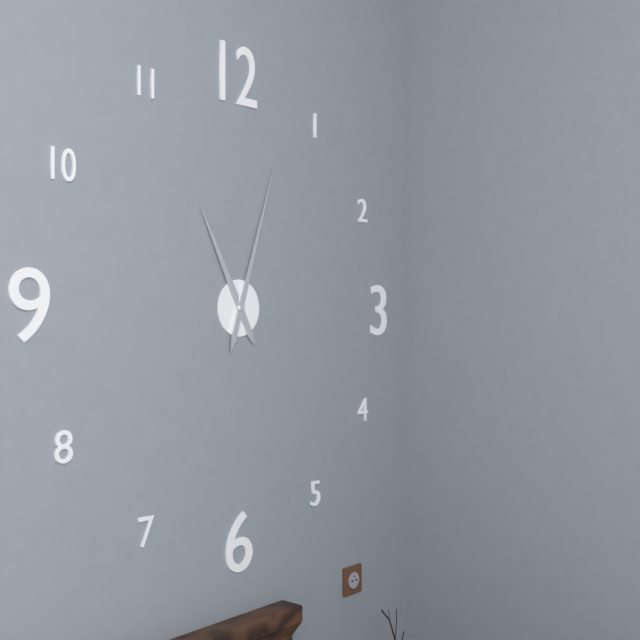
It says 11.03
